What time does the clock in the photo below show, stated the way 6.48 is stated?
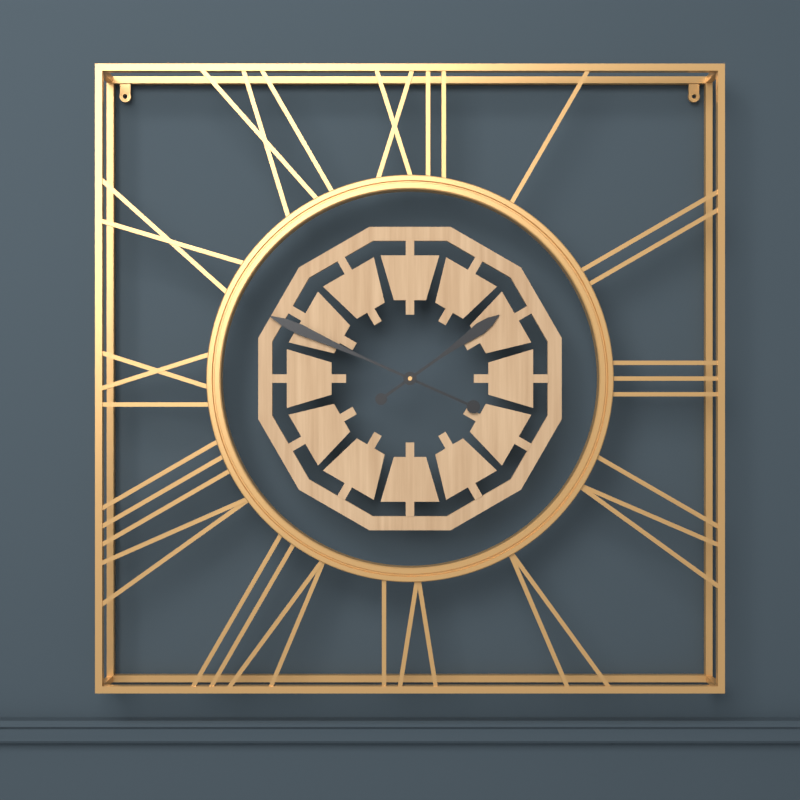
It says 1.49
